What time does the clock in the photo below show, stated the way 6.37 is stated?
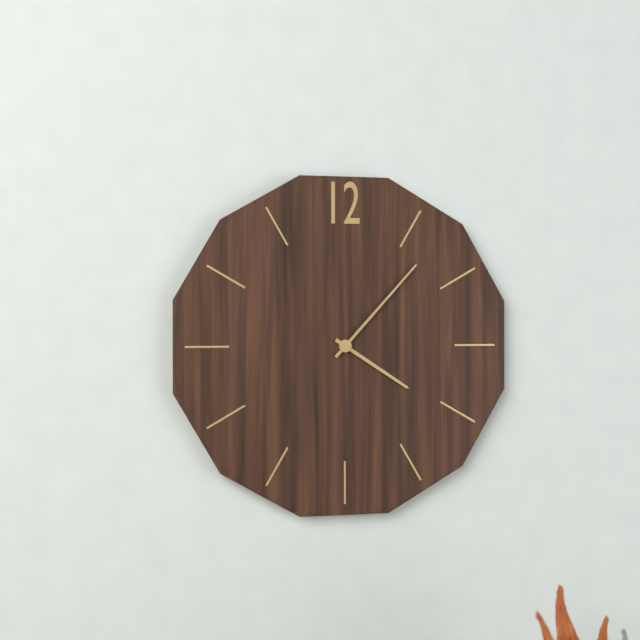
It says 4.07
